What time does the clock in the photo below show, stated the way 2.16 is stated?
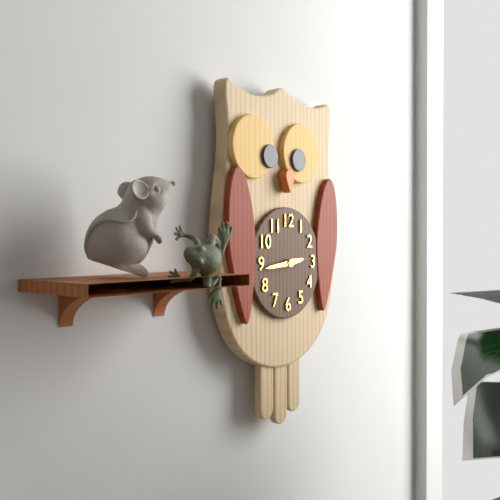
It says 2.44
